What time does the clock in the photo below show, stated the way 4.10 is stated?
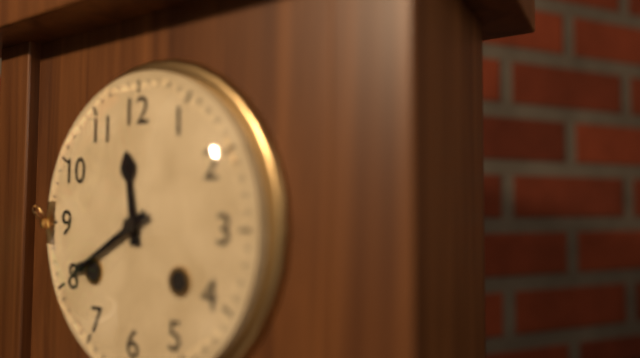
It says 11.40
